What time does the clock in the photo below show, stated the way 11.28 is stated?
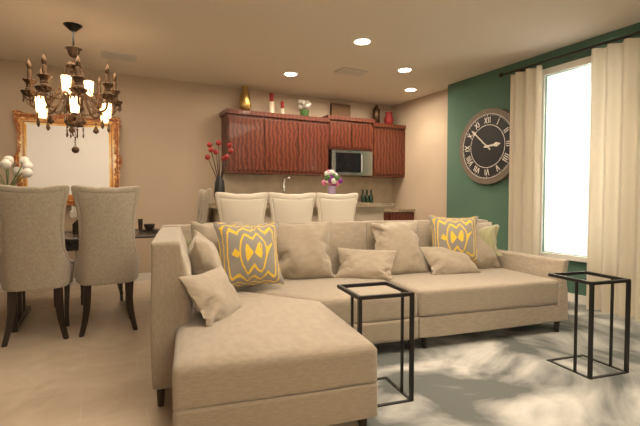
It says 2.52
